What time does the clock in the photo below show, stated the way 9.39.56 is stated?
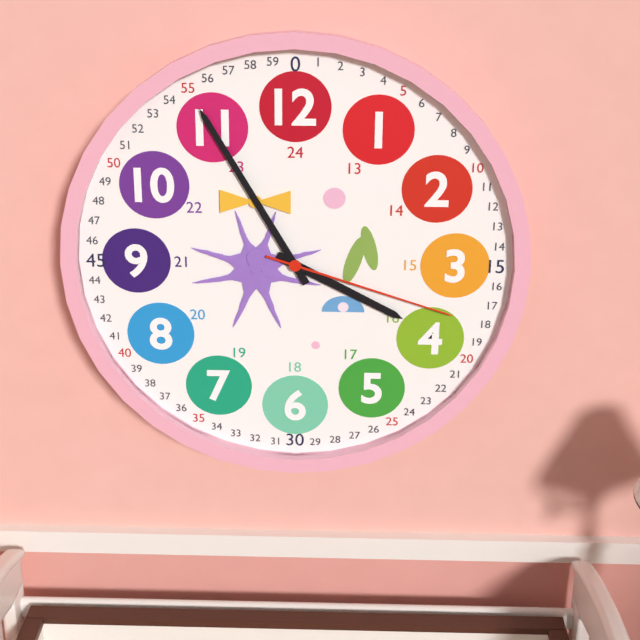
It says 3.55.18
